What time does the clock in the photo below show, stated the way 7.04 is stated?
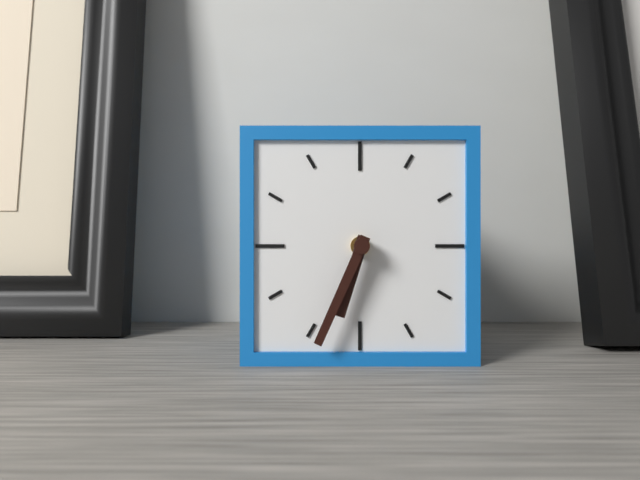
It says 6.34
